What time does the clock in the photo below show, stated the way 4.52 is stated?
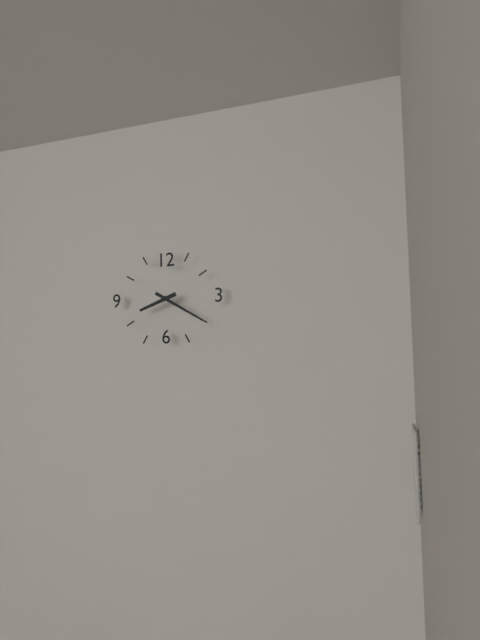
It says 8.20
